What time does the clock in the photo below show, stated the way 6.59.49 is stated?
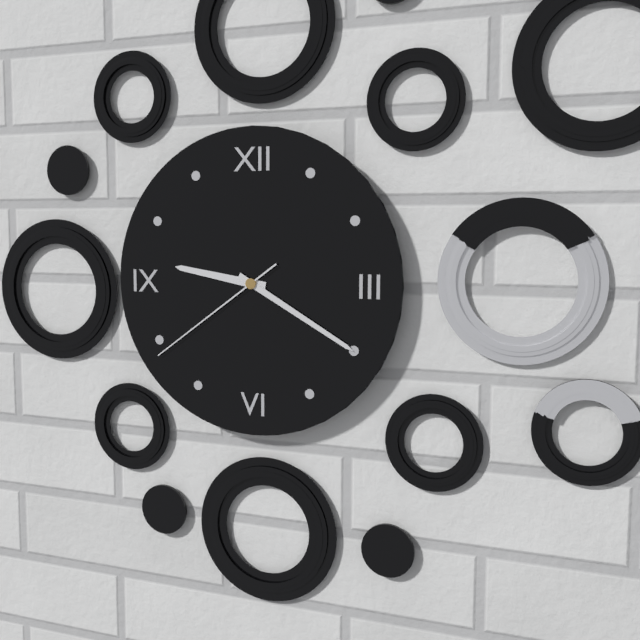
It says 9.20.39
